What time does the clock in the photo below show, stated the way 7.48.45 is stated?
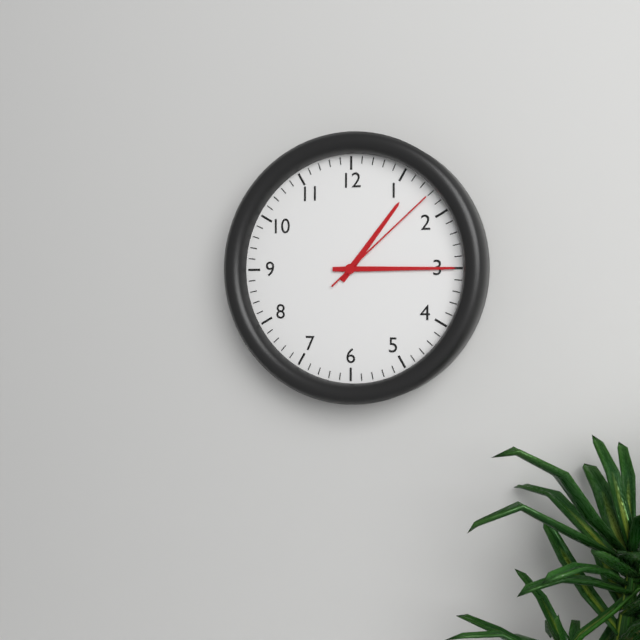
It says 1.15.08
